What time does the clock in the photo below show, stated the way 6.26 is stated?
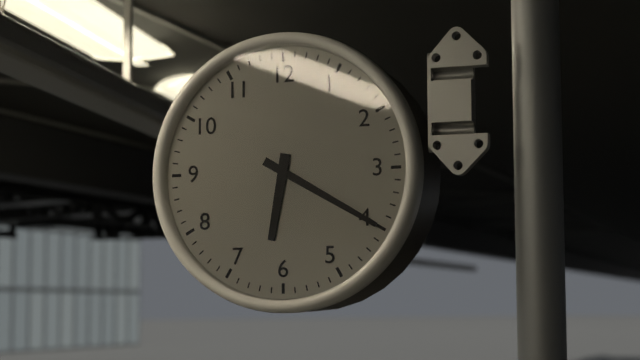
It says 6.20
